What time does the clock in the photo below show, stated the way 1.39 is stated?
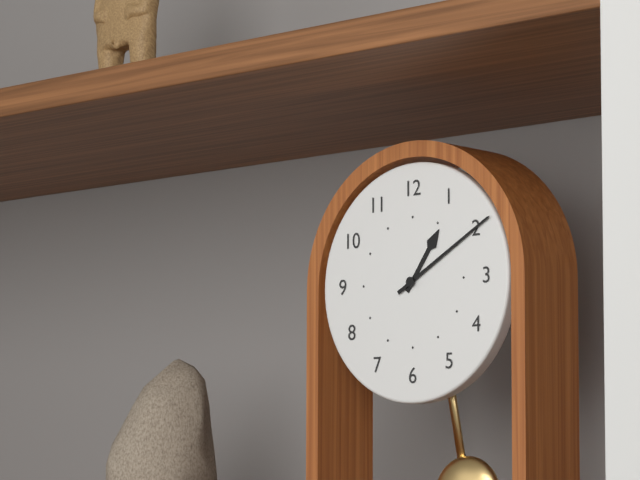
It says 1.10
